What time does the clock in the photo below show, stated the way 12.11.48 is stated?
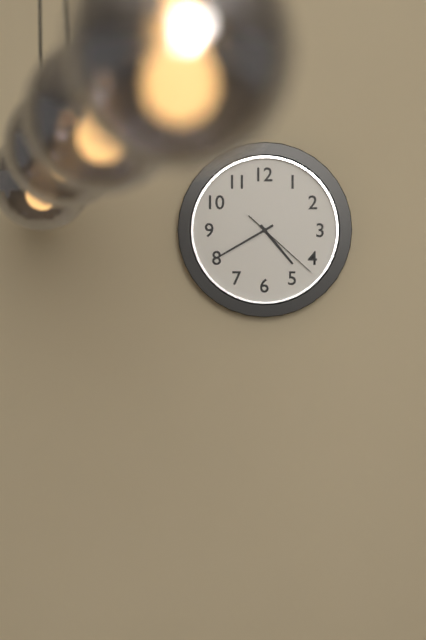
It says 4.40.22
